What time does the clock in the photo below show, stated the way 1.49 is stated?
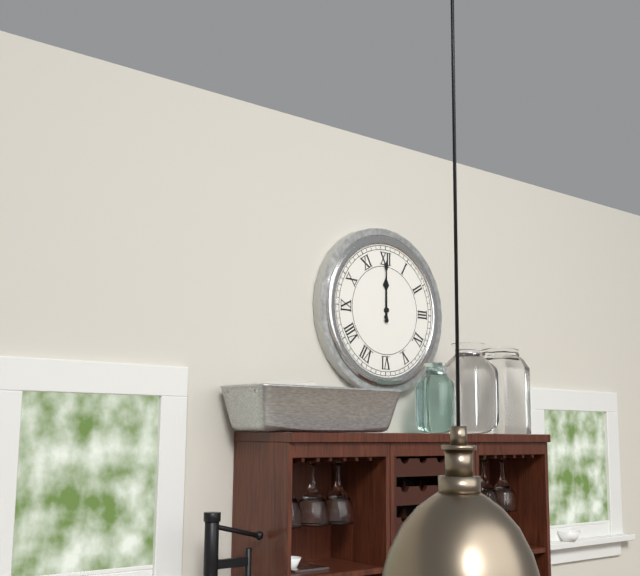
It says 12.00
